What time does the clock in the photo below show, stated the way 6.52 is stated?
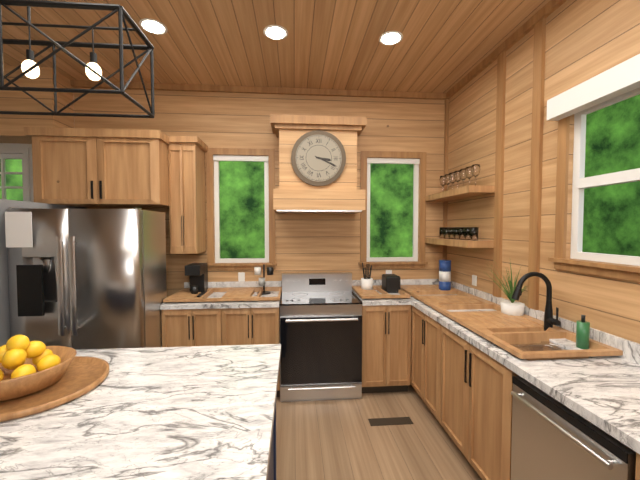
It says 3.19
